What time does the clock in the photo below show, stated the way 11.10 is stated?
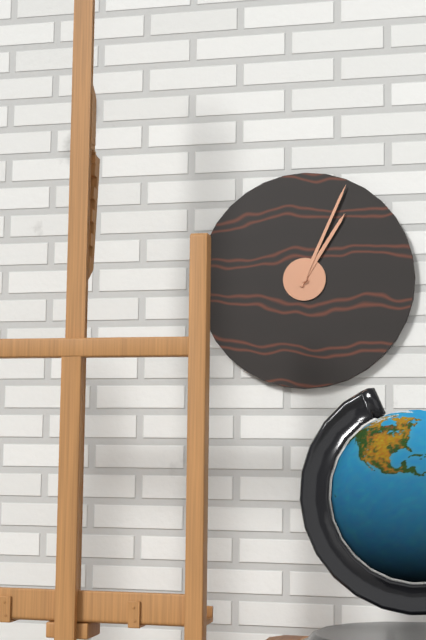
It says 1.04
